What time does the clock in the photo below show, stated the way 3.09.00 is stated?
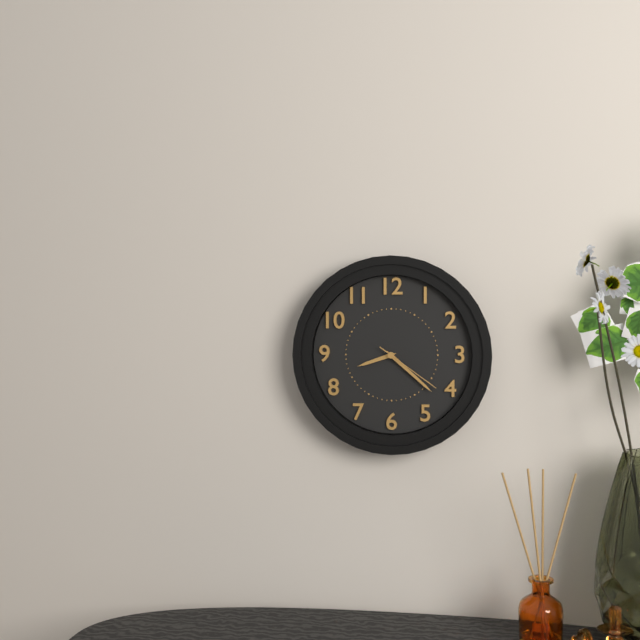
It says 8.22.21
